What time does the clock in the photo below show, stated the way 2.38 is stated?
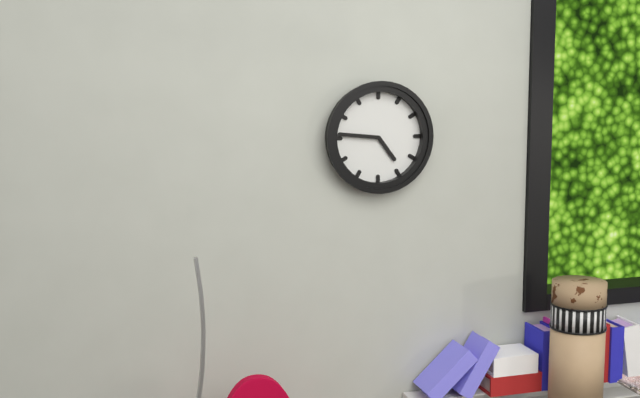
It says 4.46
